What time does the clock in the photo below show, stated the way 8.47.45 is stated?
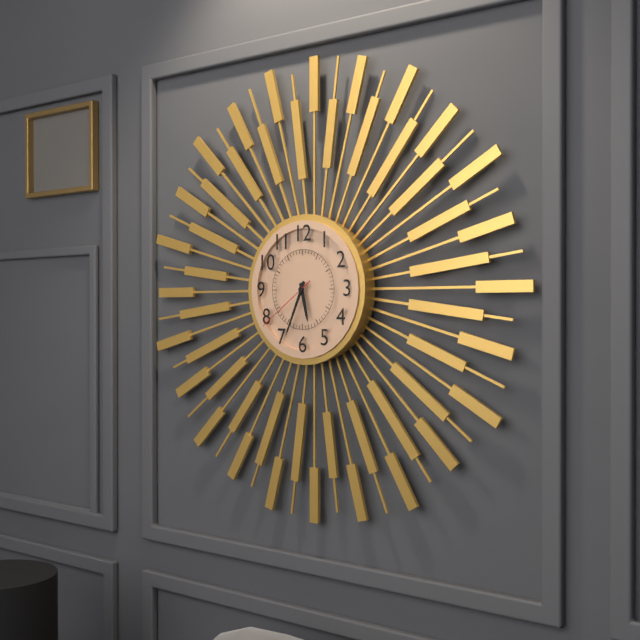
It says 5.34.39
